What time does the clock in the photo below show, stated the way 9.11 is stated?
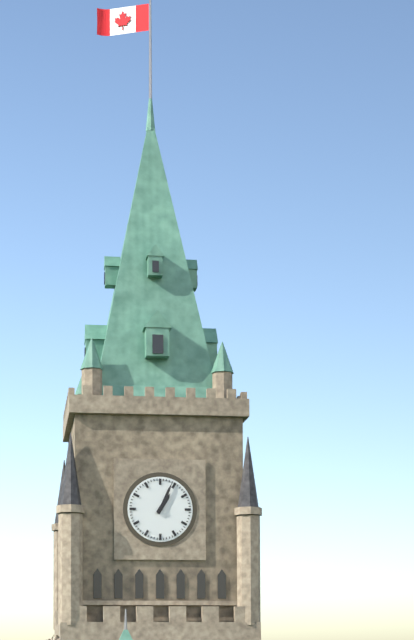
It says 1.04
